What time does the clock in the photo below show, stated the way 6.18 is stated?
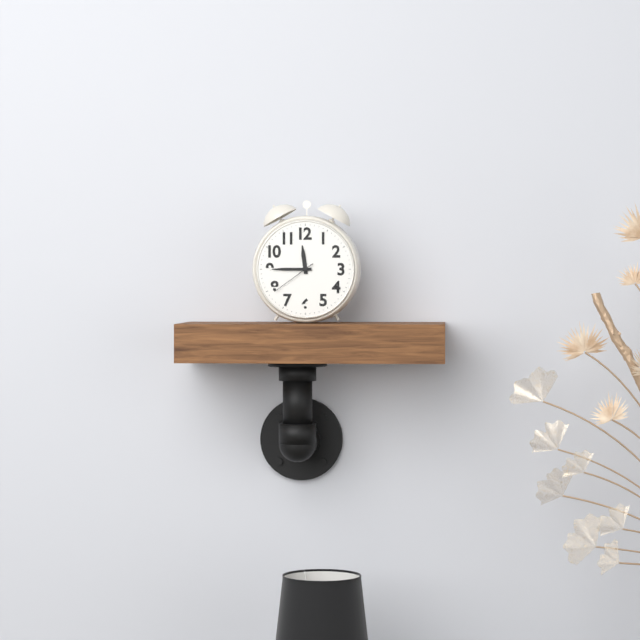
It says 11.45
